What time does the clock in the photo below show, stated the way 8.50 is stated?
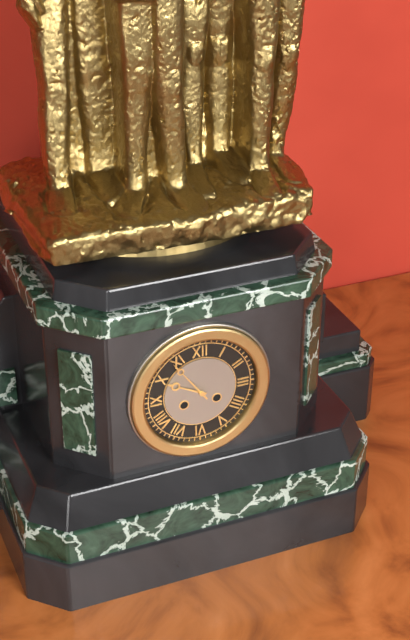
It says 9.54
